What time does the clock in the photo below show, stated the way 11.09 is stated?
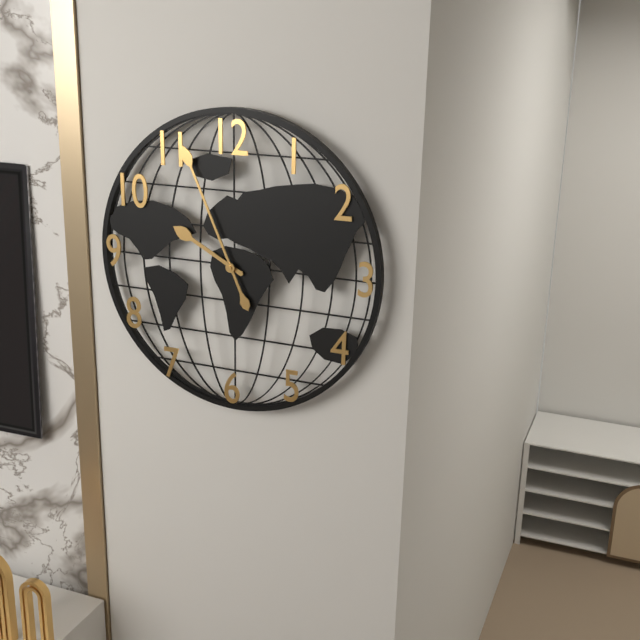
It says 9.56
